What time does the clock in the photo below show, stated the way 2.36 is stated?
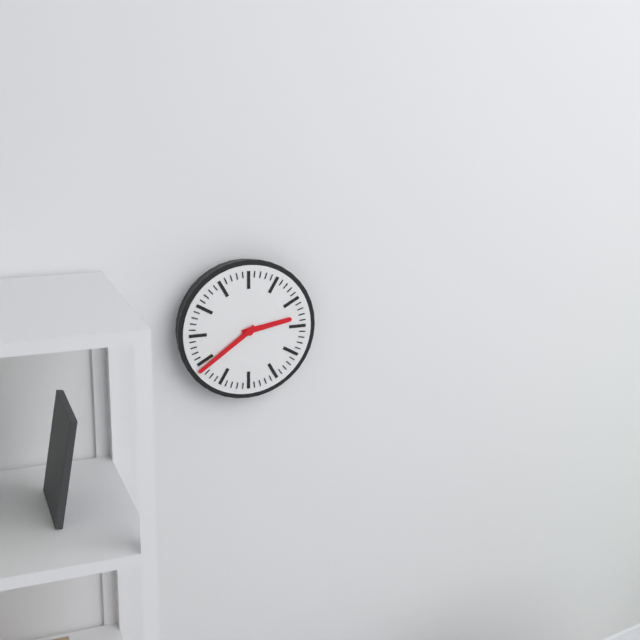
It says 2.39
